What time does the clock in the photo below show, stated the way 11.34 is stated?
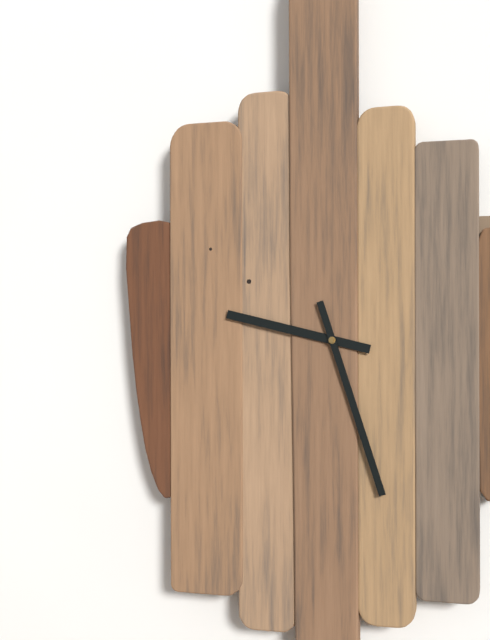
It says 9.27
